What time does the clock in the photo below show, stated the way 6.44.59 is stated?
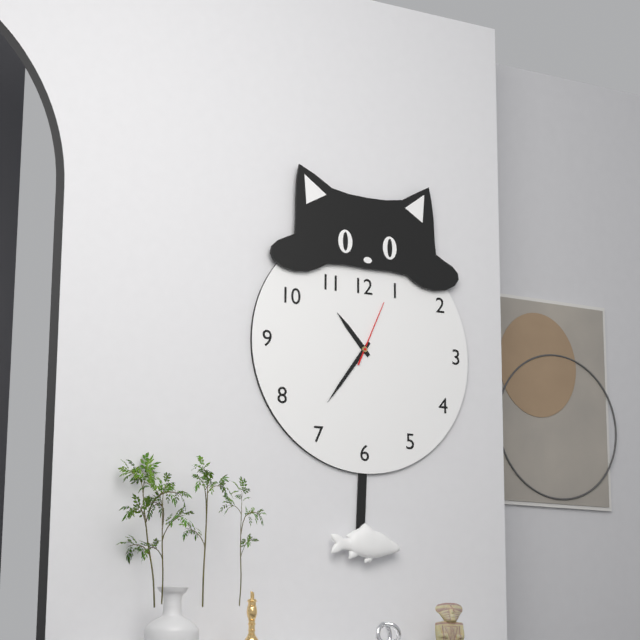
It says 10.36.04
